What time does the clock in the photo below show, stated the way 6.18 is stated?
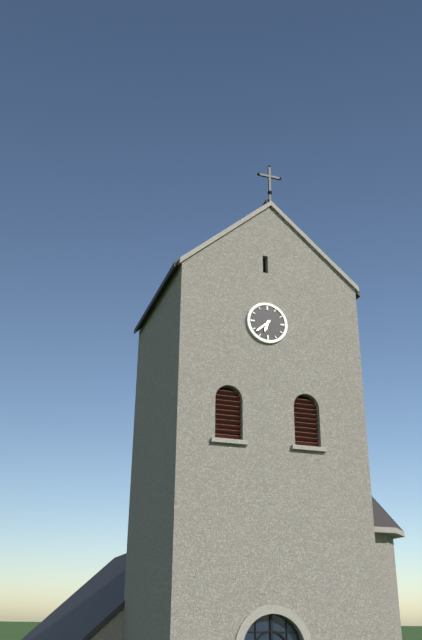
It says 6.38
